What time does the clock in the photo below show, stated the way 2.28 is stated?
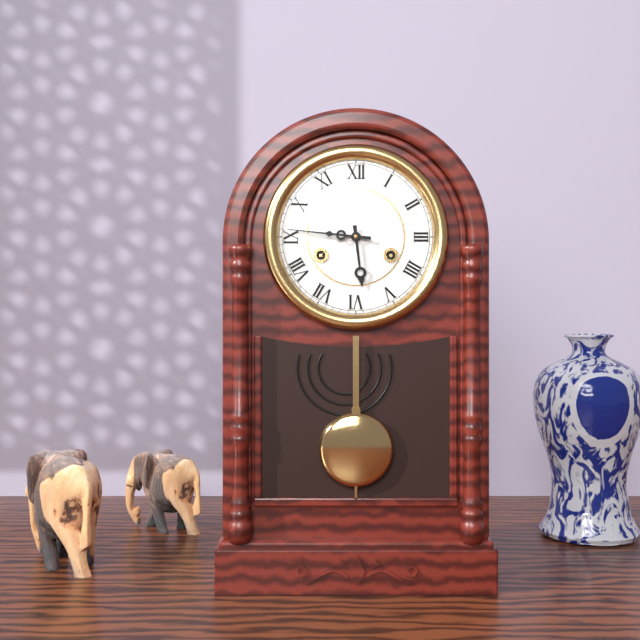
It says 5.46
